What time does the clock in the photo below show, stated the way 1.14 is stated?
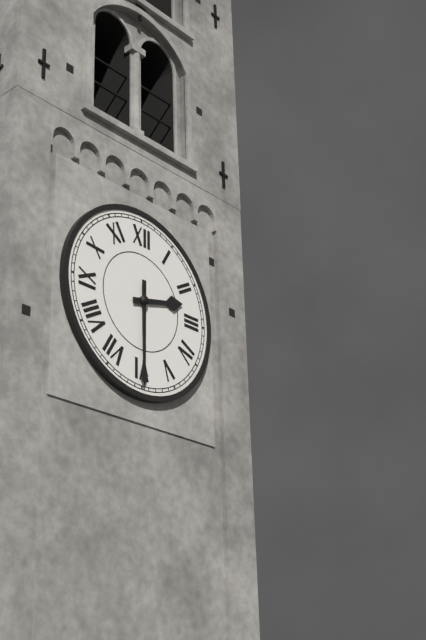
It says 2.30
